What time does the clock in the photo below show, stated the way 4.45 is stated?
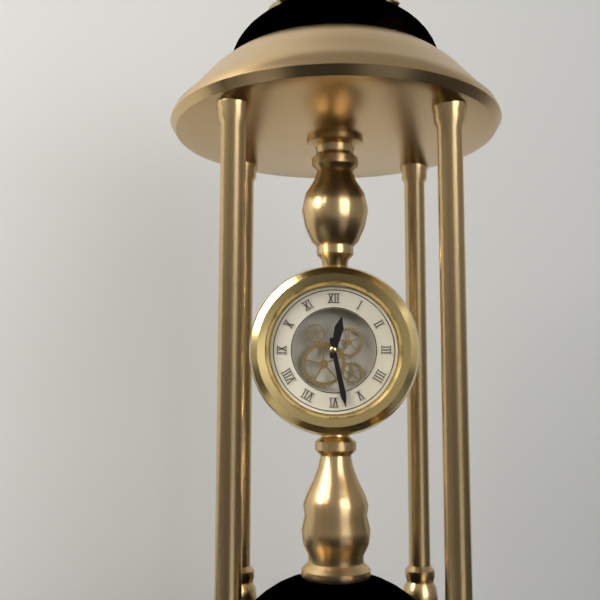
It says 12.28
